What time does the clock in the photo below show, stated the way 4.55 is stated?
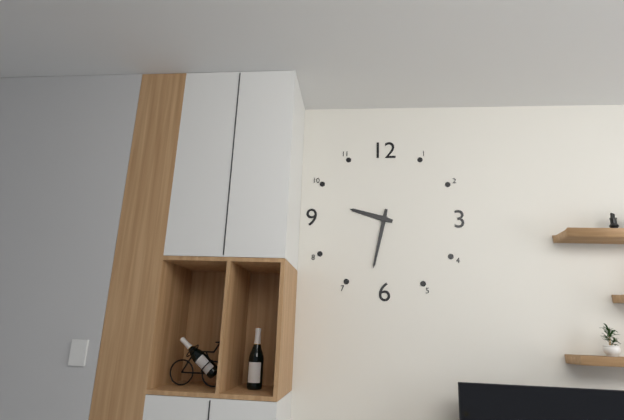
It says 9.32
